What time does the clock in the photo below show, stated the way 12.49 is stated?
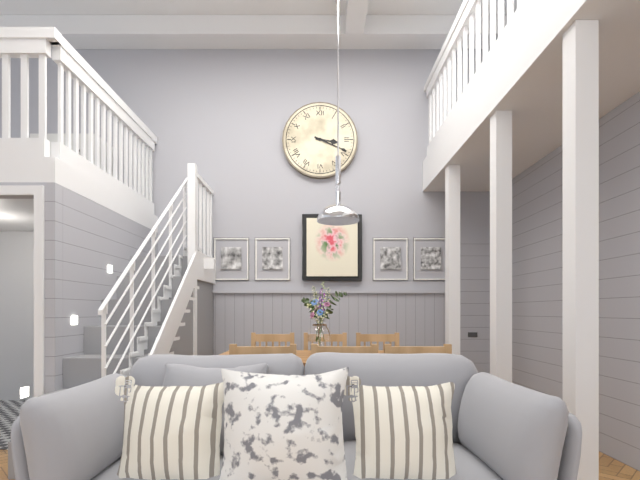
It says 3.19
